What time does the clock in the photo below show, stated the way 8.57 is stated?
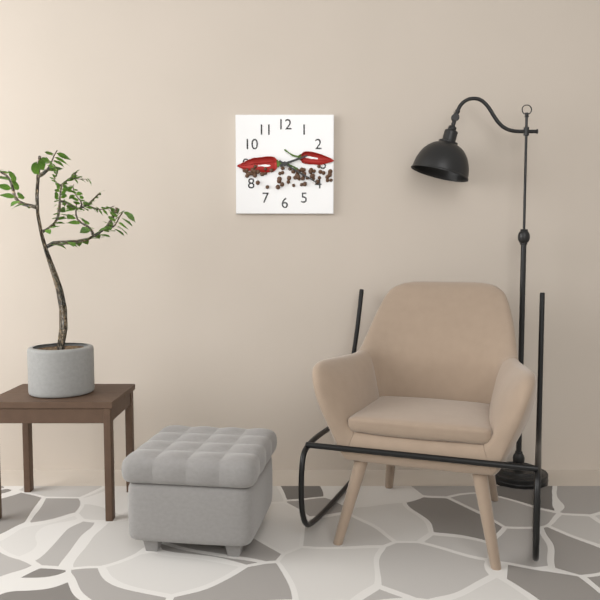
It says 2.20
